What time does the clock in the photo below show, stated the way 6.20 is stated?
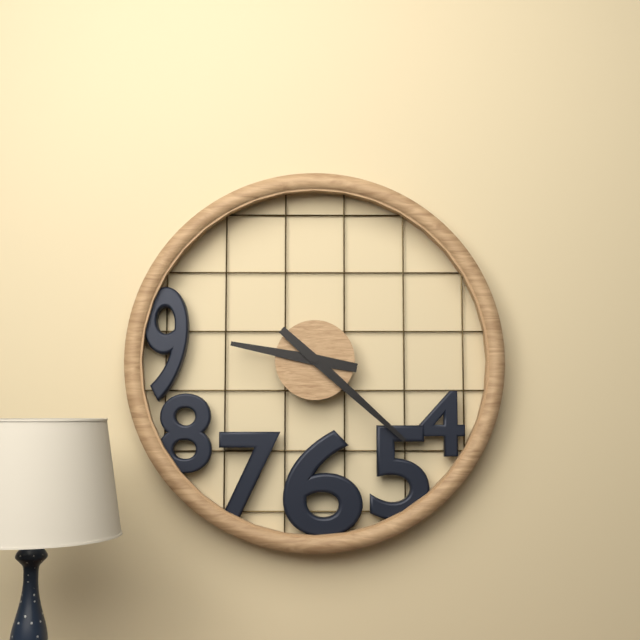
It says 9.22
